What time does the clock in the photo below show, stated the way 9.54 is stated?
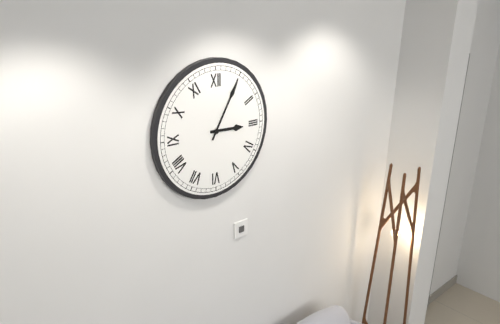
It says 3.05
